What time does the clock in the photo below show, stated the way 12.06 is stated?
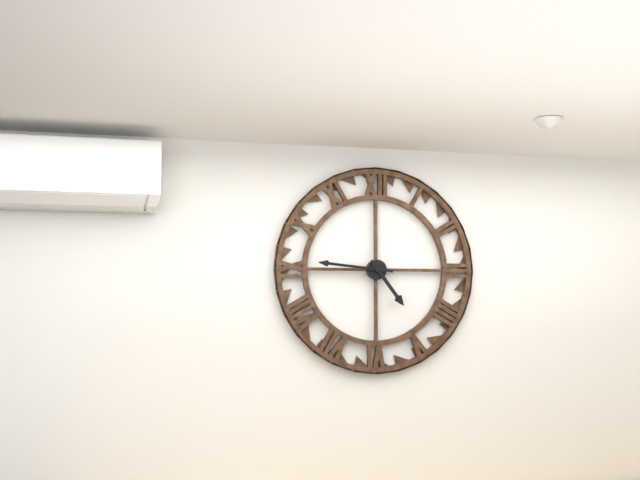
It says 4.46
